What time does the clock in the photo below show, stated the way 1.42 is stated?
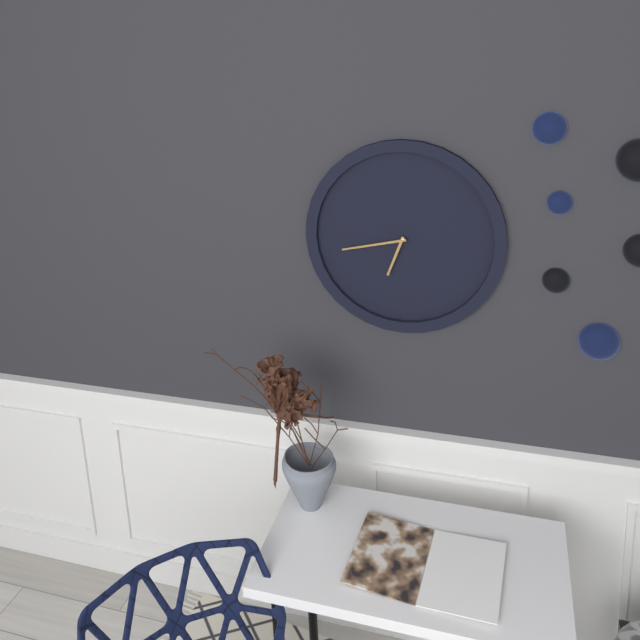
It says 6.43
